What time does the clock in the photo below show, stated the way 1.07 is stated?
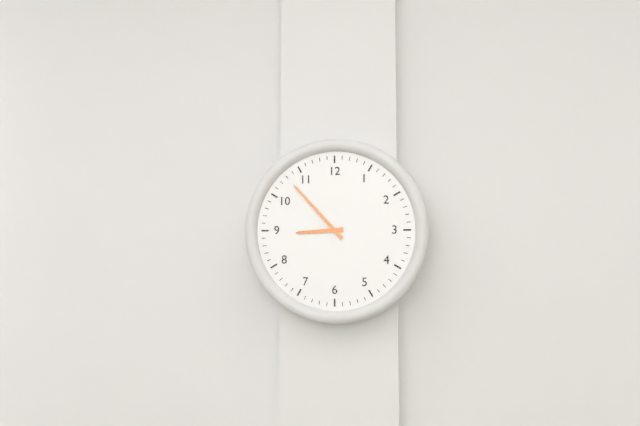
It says 8.53
